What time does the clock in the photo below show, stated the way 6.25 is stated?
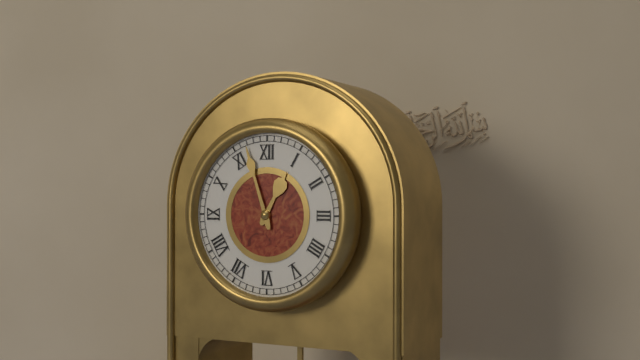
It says 12.57
